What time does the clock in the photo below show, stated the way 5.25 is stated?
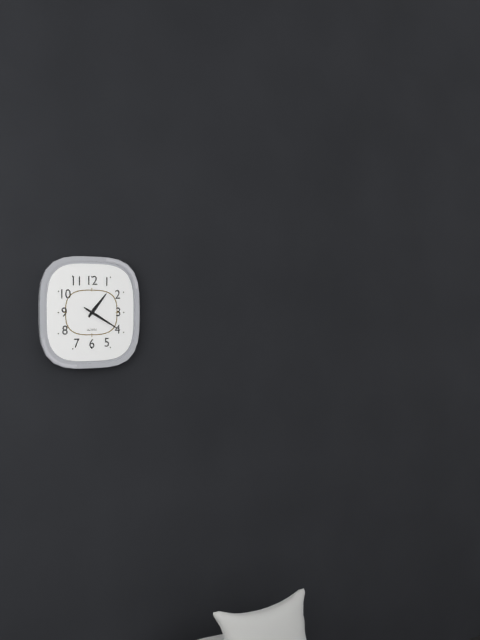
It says 1.20
